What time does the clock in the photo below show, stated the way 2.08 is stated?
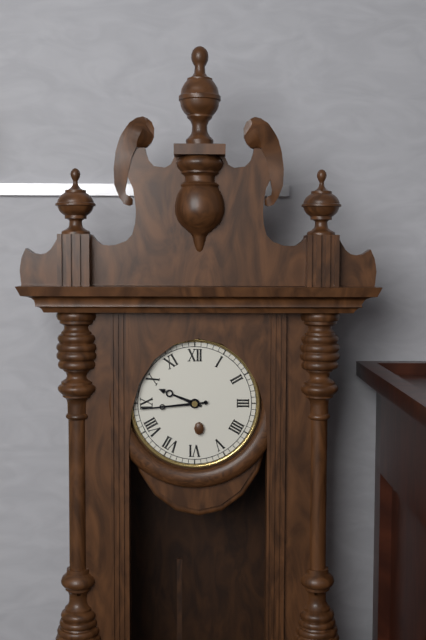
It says 9.44
